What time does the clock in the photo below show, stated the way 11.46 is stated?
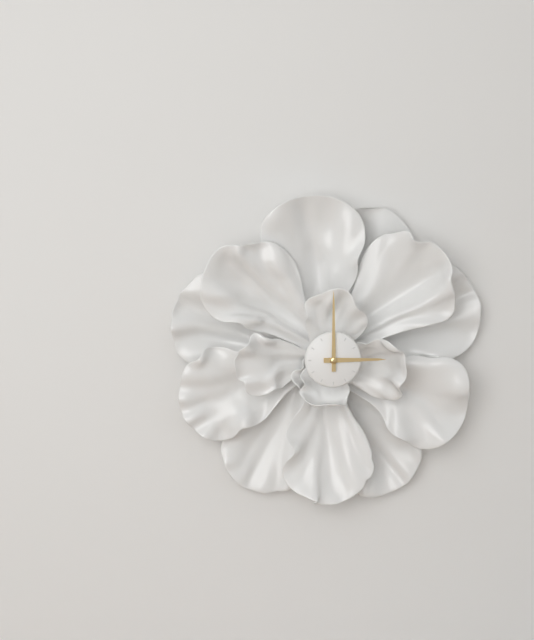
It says 3.00
